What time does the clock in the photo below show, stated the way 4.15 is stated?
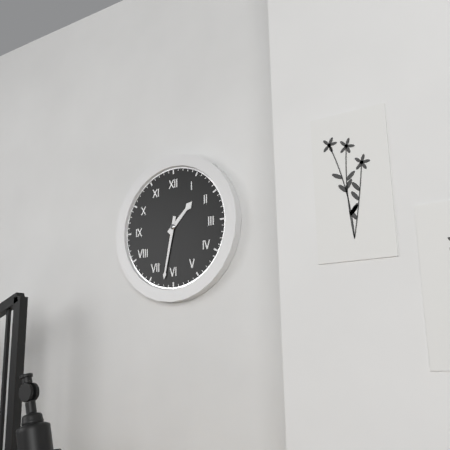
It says 1.32
